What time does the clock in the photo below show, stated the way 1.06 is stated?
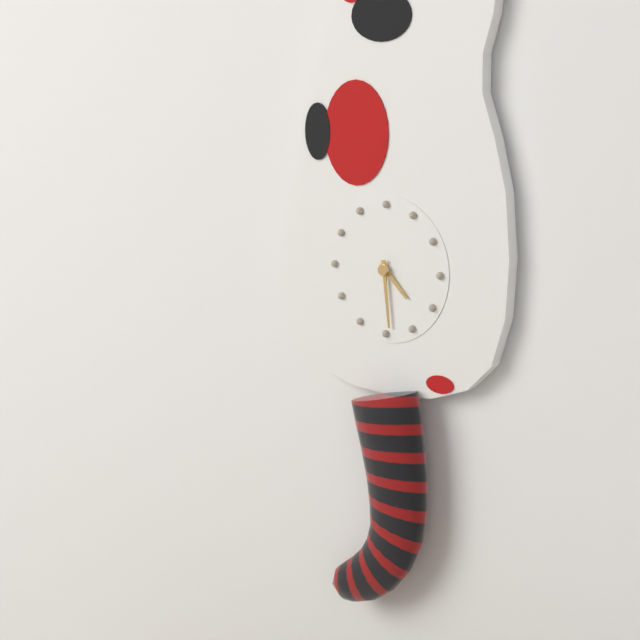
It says 4.29
